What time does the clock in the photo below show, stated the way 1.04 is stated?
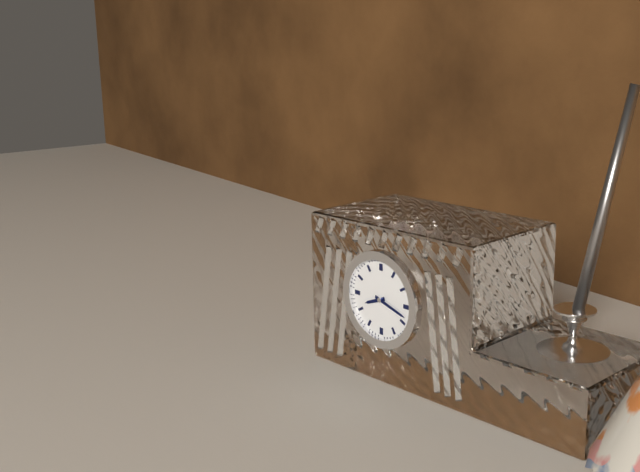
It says 8.18
